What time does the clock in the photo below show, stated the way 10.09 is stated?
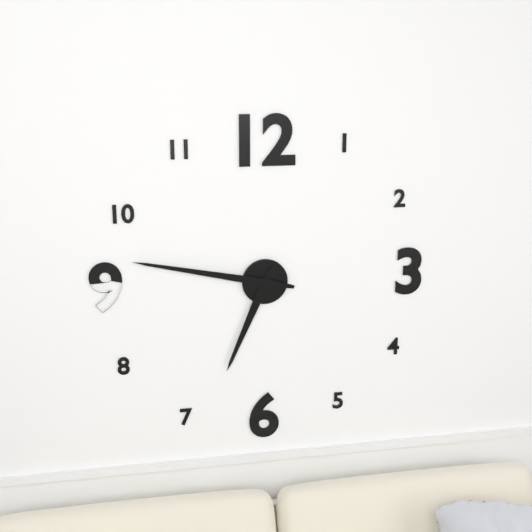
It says 6.47
